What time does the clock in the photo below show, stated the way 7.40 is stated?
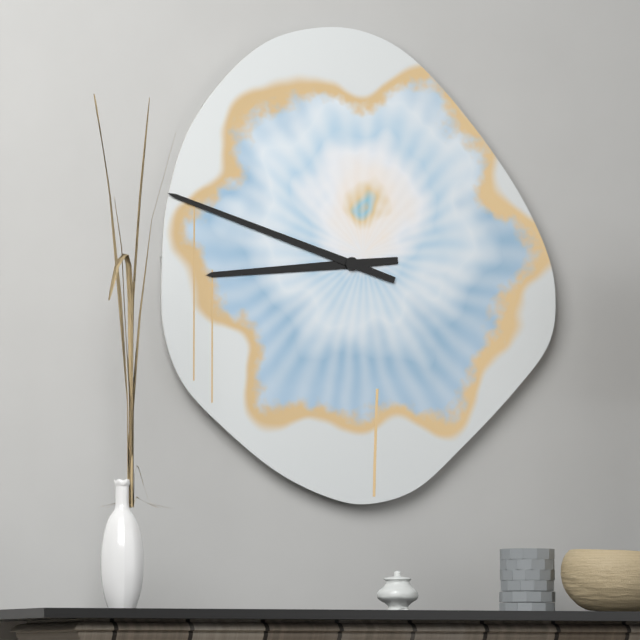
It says 8.48
